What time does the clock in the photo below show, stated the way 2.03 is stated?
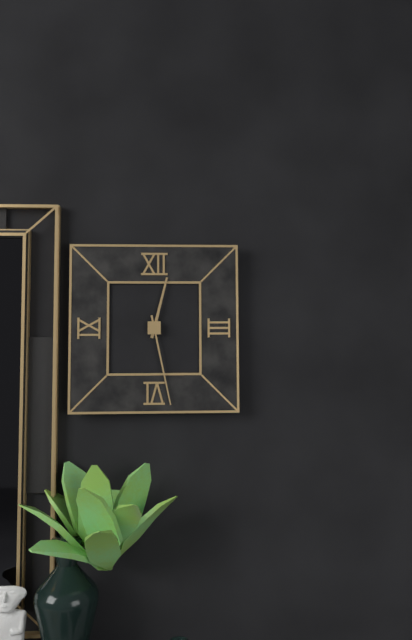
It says 12.28
